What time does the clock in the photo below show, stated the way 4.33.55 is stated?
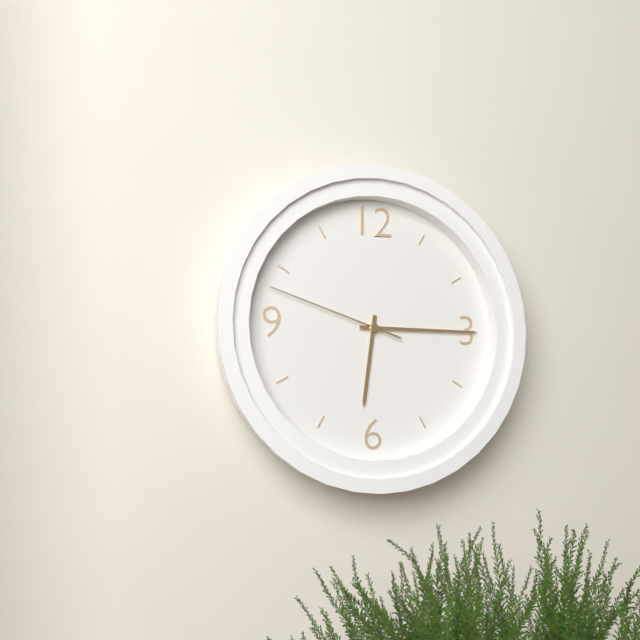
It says 6.15.48
